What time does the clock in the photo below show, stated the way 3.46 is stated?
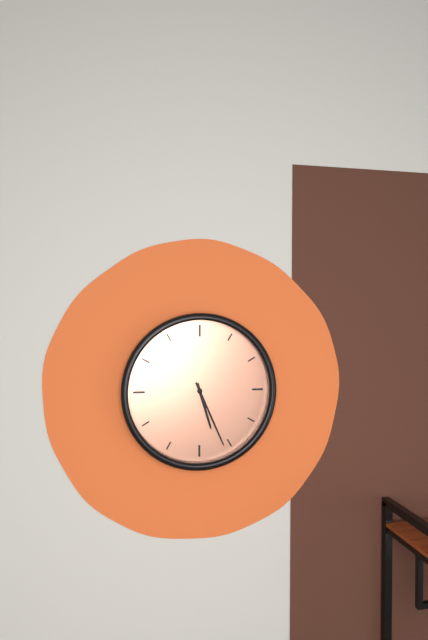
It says 5.26
